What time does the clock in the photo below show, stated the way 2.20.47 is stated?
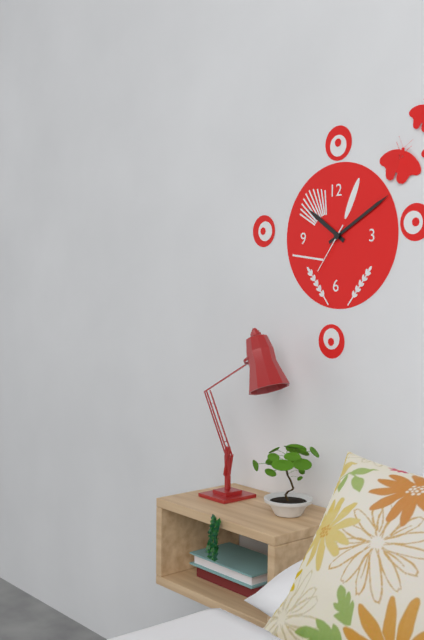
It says 10.10.36
